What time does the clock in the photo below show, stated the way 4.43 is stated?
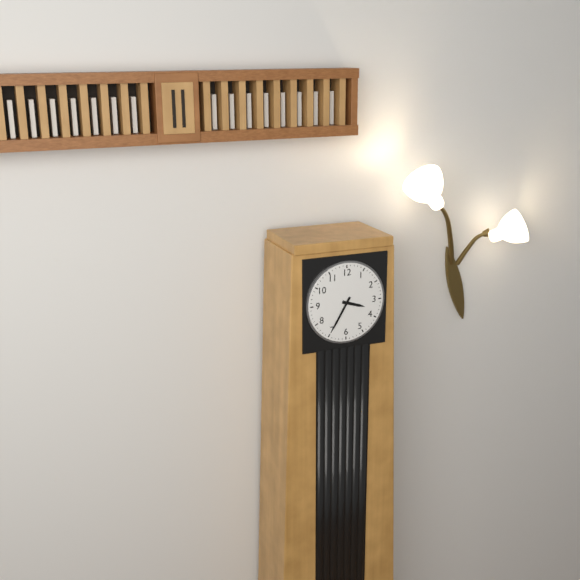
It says 3.35
